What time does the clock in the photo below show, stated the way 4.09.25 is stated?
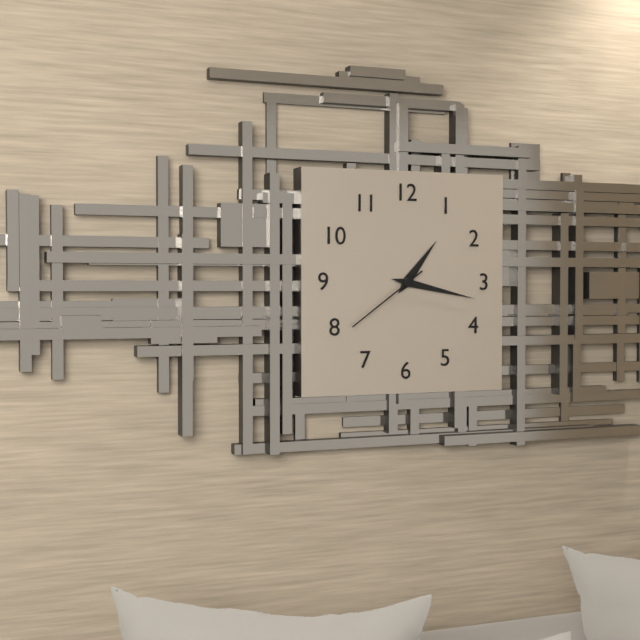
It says 1.17.39
